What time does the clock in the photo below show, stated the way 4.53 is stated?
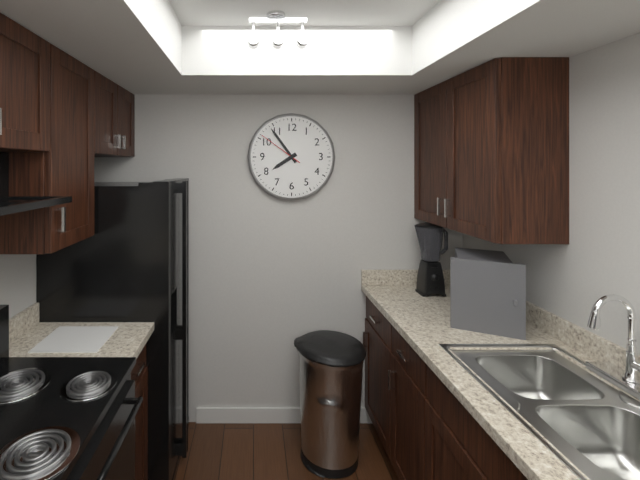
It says 7.54
